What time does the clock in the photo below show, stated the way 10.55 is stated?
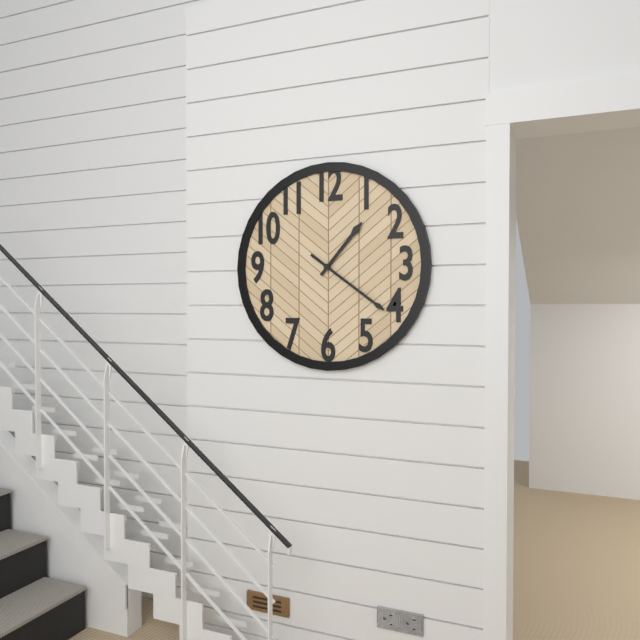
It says 1.21
